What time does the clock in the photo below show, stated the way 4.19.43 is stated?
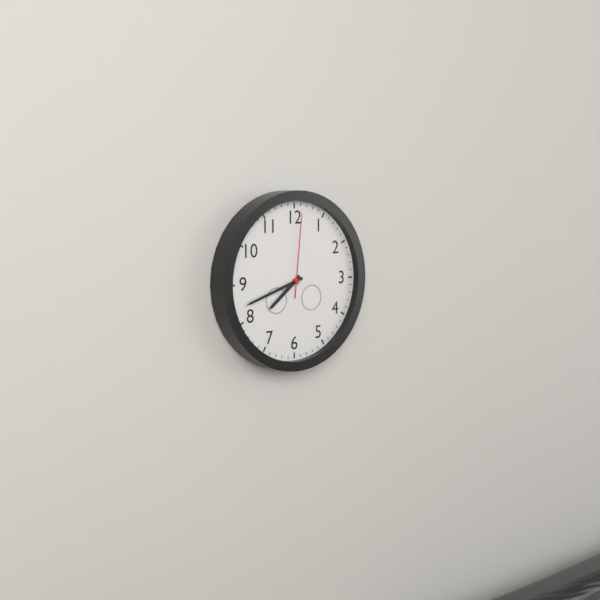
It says 7.42.01
